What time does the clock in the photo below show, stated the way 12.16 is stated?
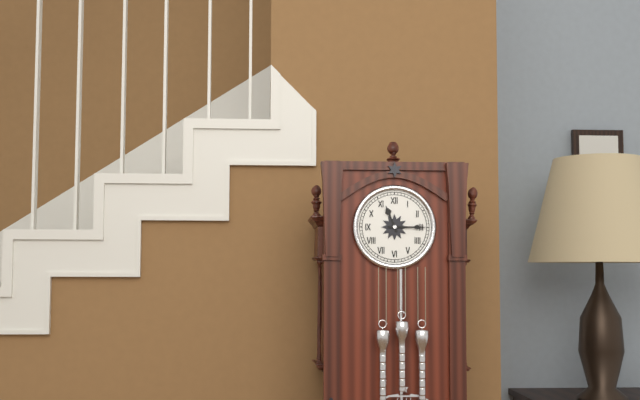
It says 11.15
